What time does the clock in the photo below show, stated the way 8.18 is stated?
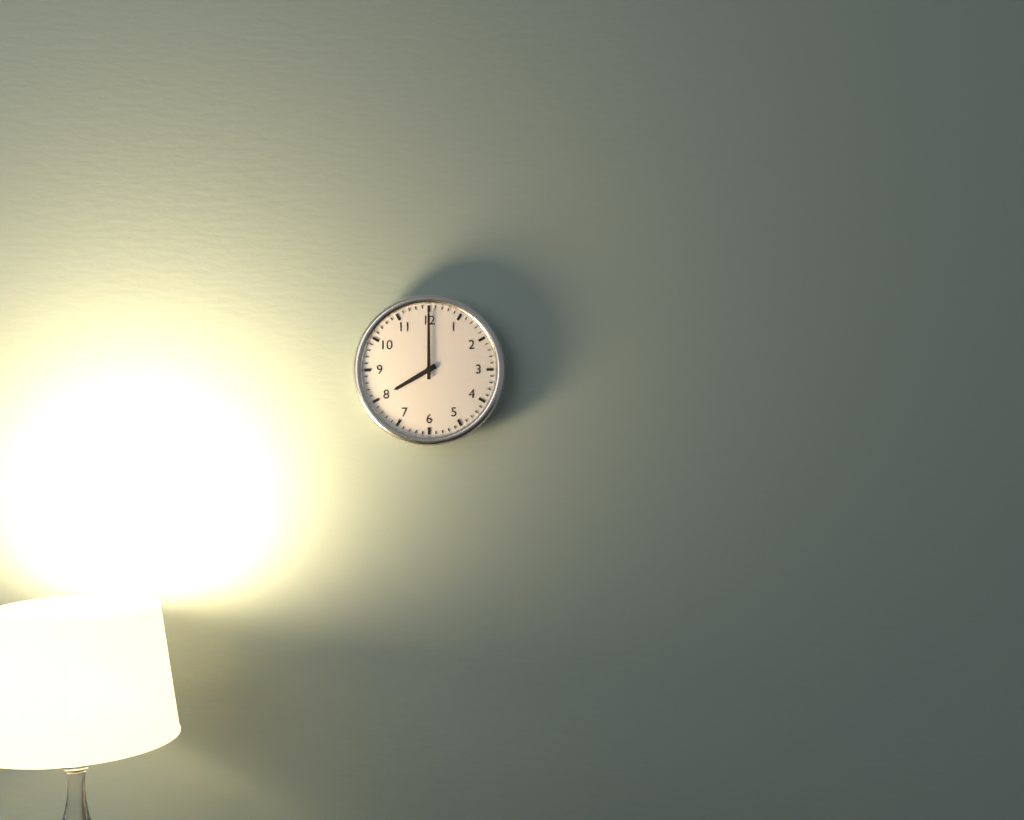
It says 8.00
